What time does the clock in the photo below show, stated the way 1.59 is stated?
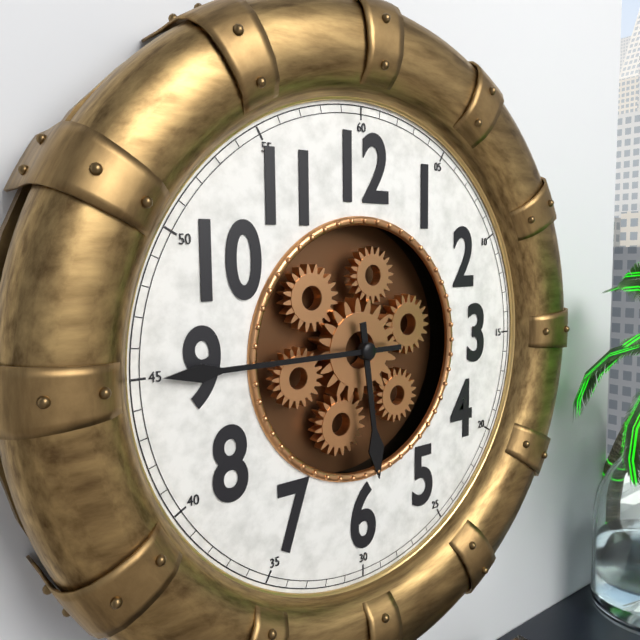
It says 5.45
